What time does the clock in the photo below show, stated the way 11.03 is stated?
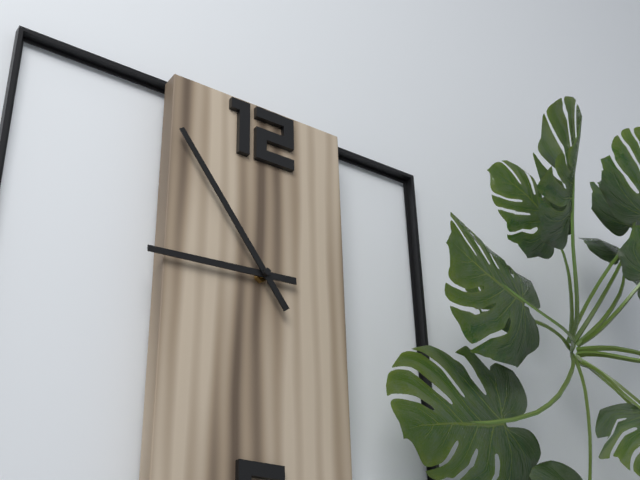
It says 8.54
